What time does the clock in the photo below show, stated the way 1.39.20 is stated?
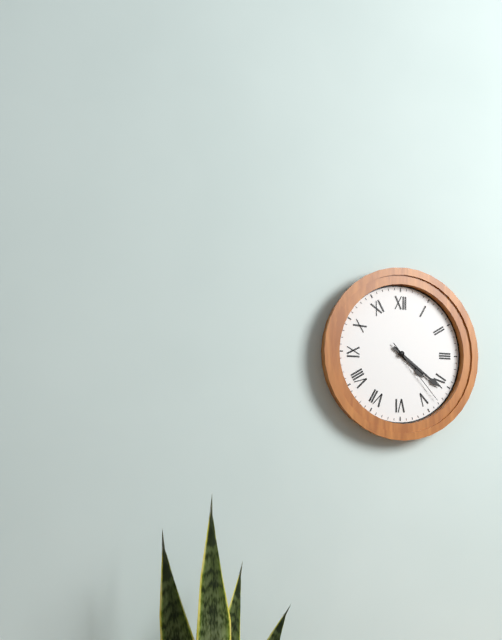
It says 4.21.23
